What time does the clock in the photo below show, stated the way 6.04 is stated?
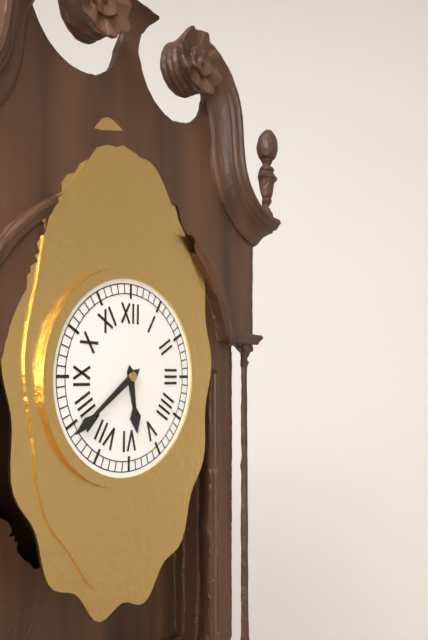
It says 5.39
